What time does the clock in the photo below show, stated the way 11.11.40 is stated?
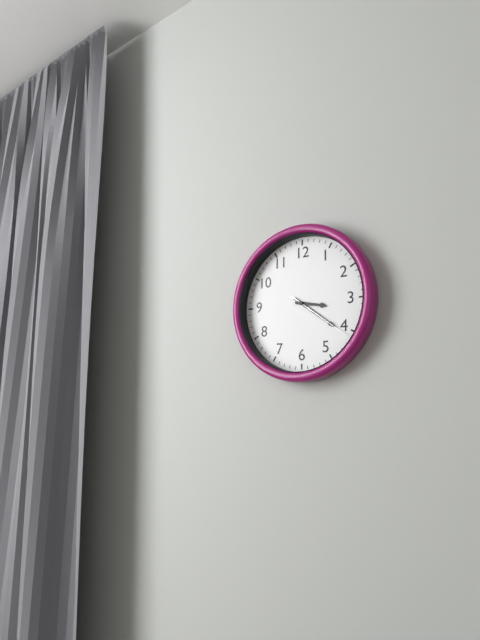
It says 3.21.21
